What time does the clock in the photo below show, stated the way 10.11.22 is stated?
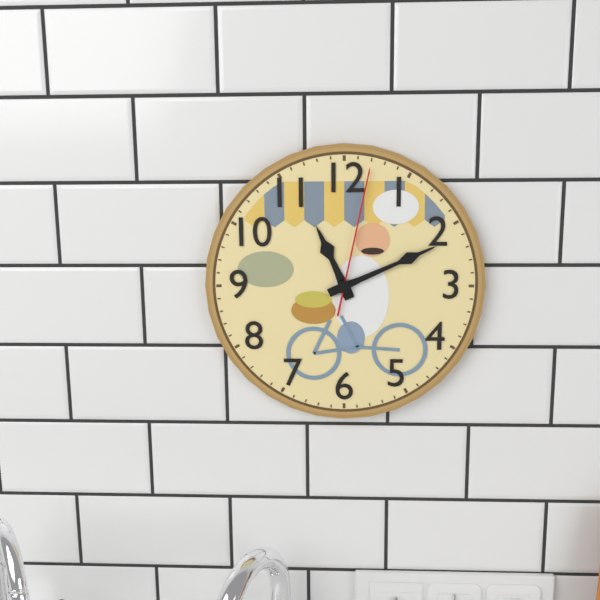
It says 11.11.02
